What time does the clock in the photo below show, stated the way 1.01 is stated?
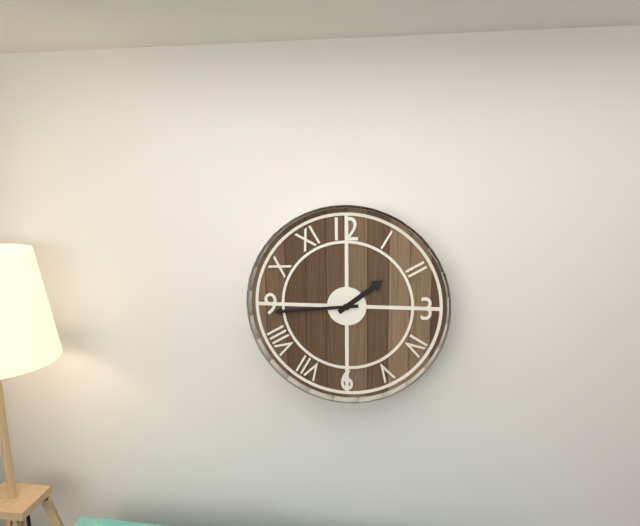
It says 1.44
